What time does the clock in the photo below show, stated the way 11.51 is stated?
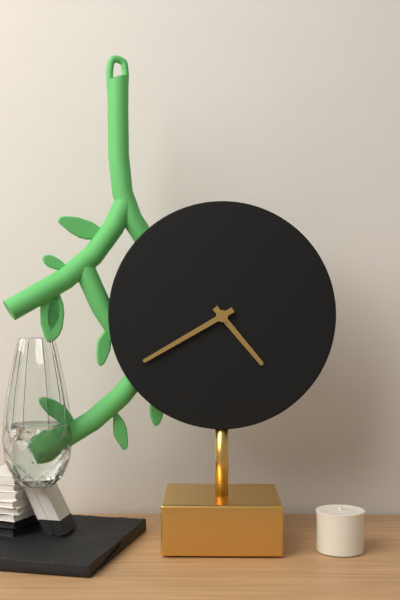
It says 4.40
